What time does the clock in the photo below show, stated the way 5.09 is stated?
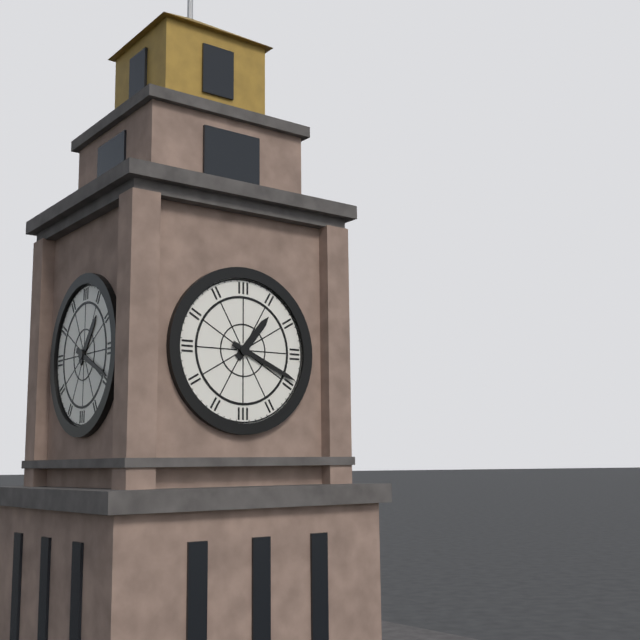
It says 1.19
